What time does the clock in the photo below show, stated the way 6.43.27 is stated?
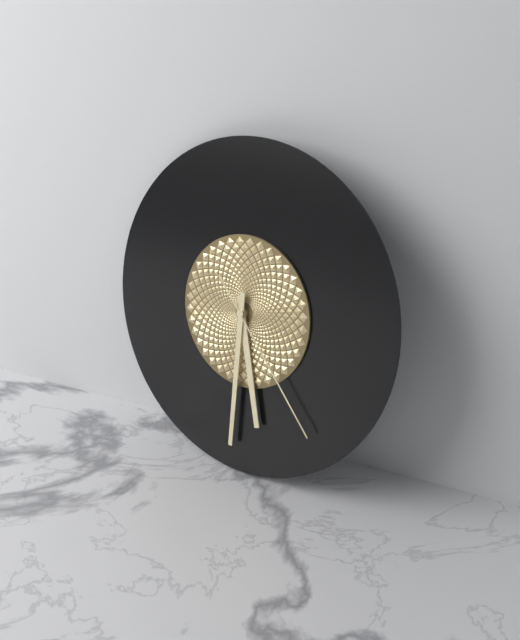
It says 5.30.23
